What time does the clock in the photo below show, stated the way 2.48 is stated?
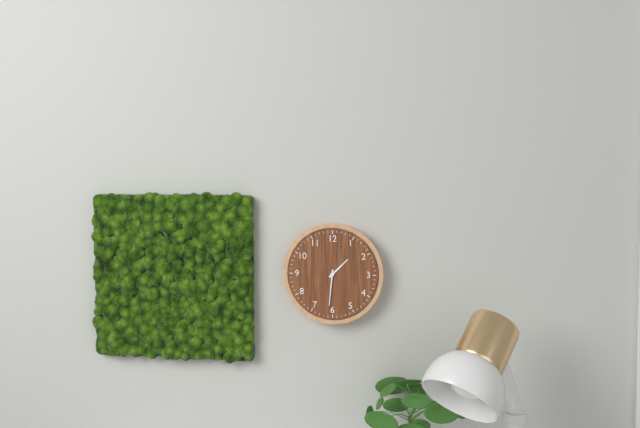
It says 1.31
